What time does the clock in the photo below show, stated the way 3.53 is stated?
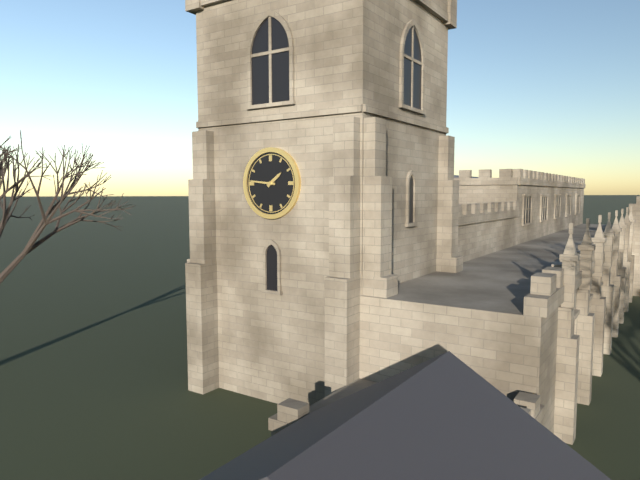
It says 1.46
